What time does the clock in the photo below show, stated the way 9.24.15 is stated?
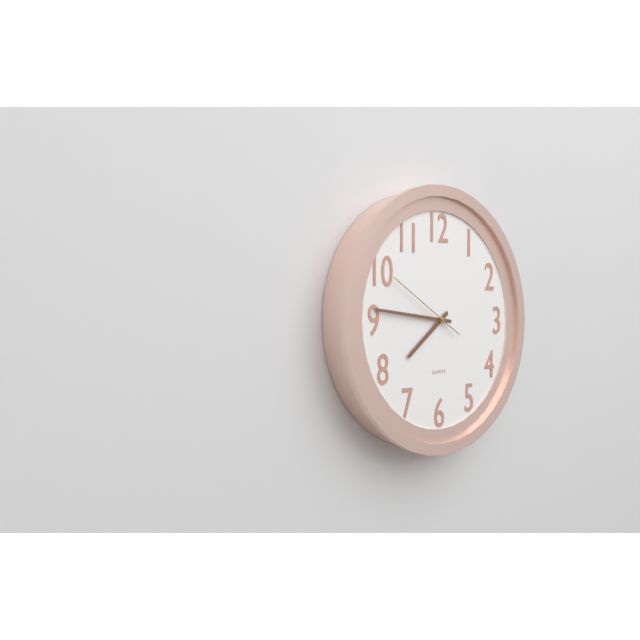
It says 7.46.50
